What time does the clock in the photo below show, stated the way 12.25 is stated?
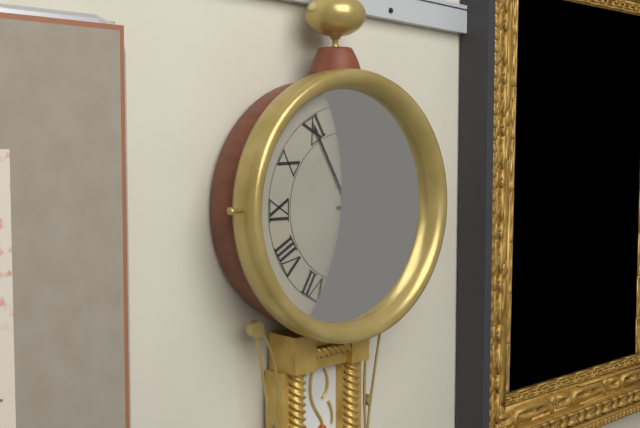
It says 2.55
